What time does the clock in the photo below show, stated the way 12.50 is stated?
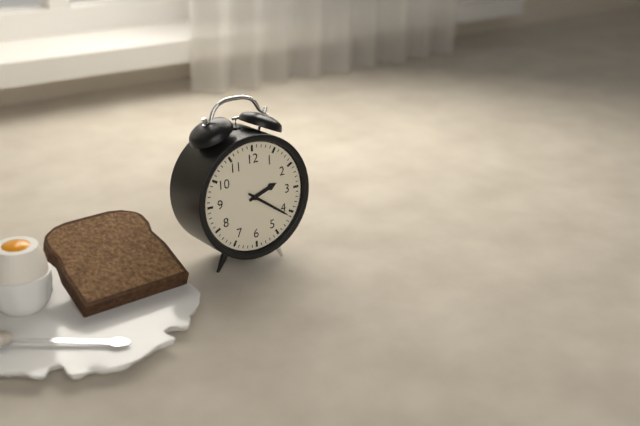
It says 2.21
